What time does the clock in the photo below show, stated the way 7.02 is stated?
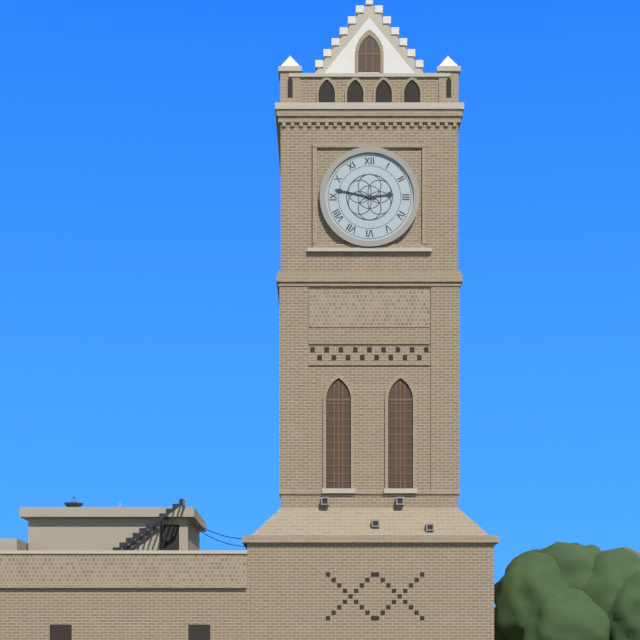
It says 2.47
